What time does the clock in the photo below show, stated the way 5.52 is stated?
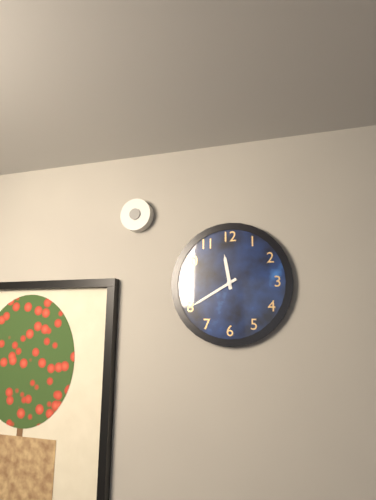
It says 11.40
